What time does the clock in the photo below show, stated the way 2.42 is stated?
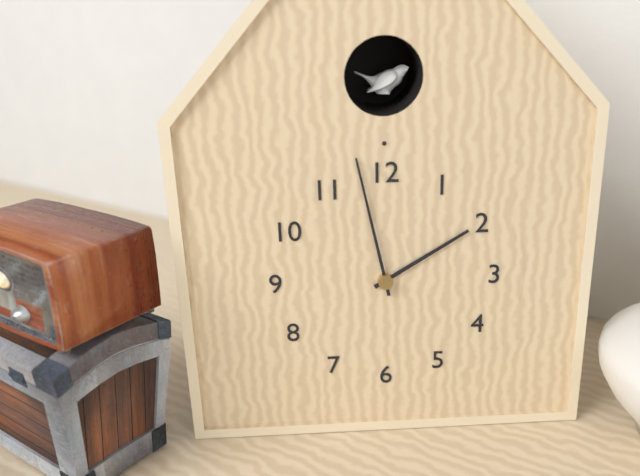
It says 1.58
